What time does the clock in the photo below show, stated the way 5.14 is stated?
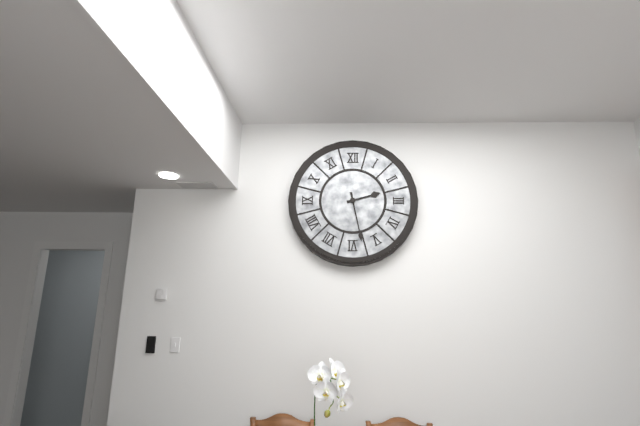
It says 2.28
